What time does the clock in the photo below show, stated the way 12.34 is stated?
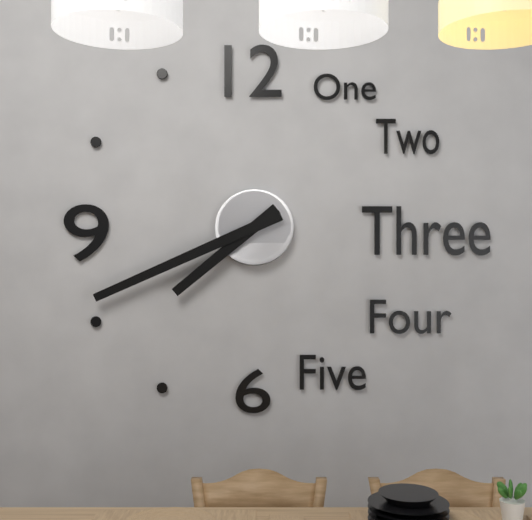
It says 7.41
